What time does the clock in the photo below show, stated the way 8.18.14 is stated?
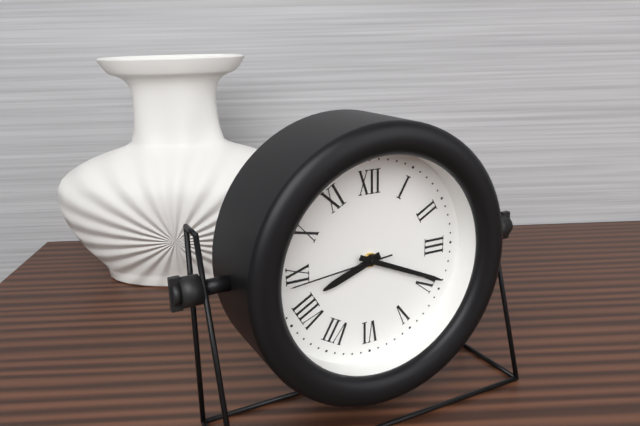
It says 8.19.44
